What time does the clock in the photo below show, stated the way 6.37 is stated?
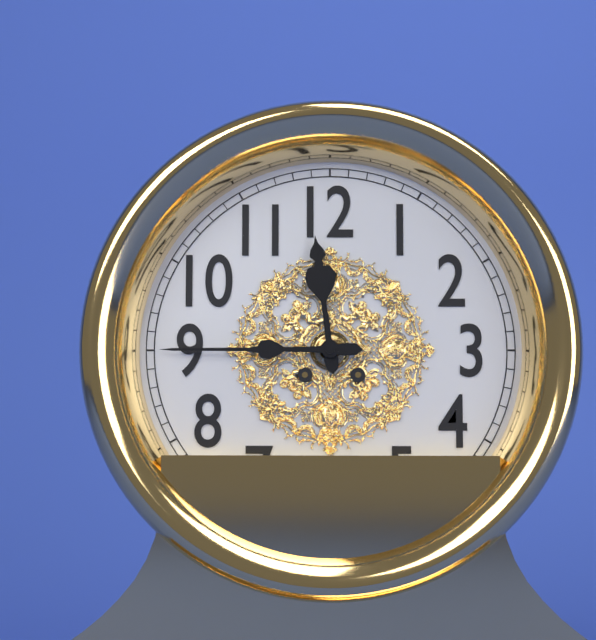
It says 11.45
